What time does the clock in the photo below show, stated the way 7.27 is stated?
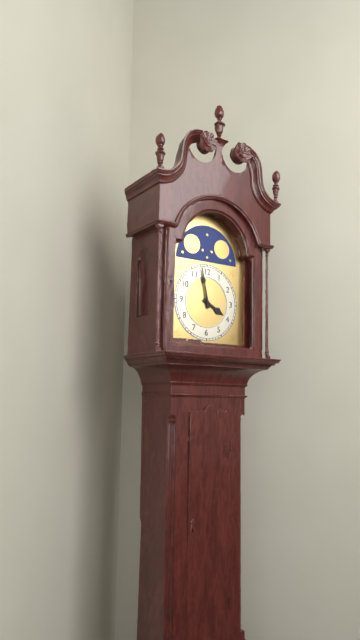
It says 3.58
